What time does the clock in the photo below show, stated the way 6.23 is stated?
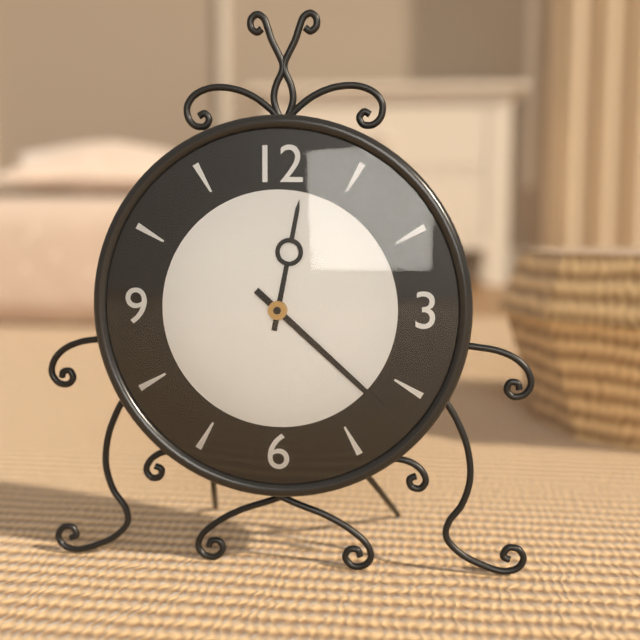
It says 12.22
